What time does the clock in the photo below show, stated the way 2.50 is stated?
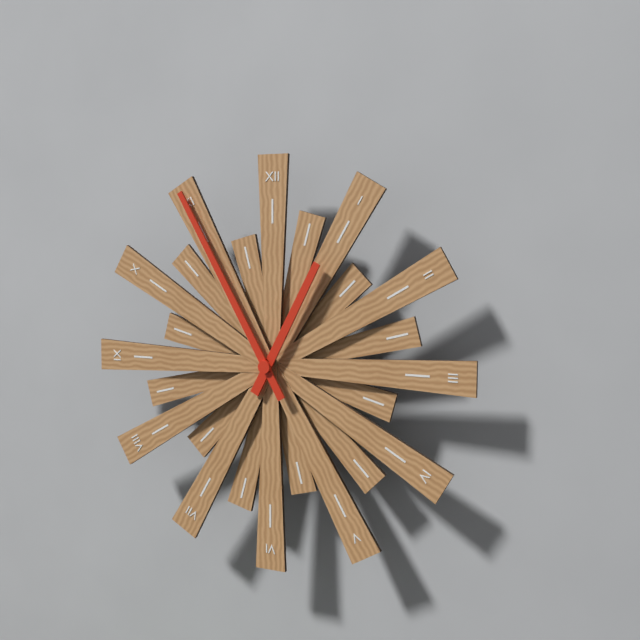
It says 12.55
